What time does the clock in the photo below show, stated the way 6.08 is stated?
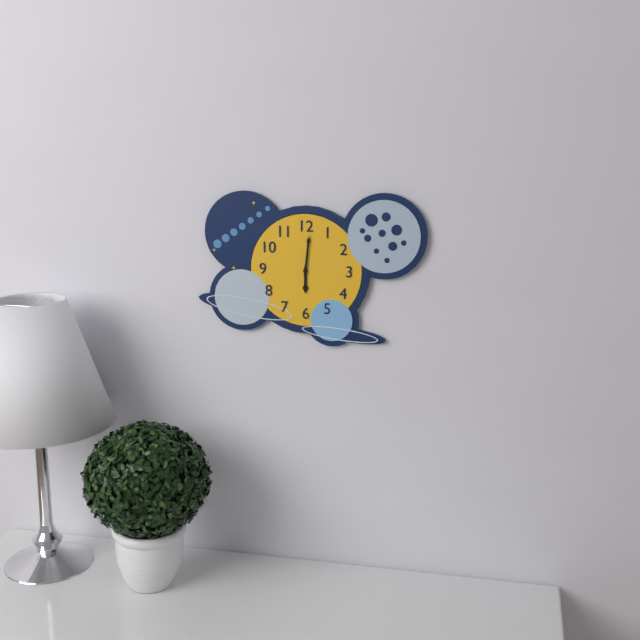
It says 6.01
